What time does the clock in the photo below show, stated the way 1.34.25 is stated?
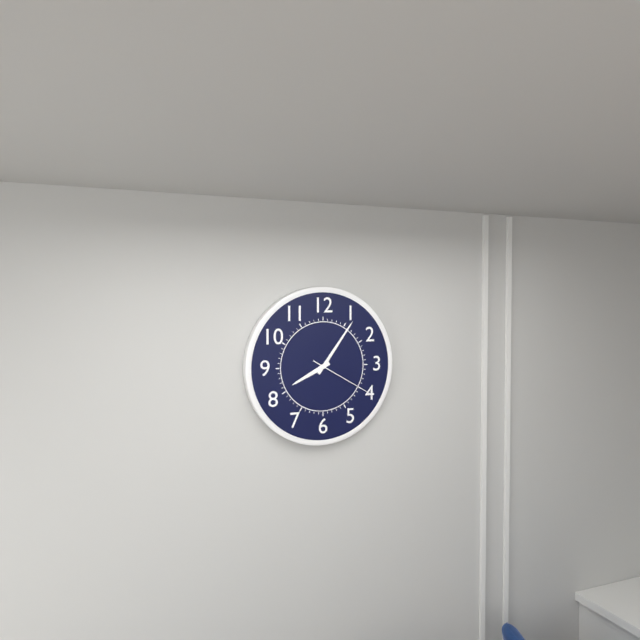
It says 8.06.20
